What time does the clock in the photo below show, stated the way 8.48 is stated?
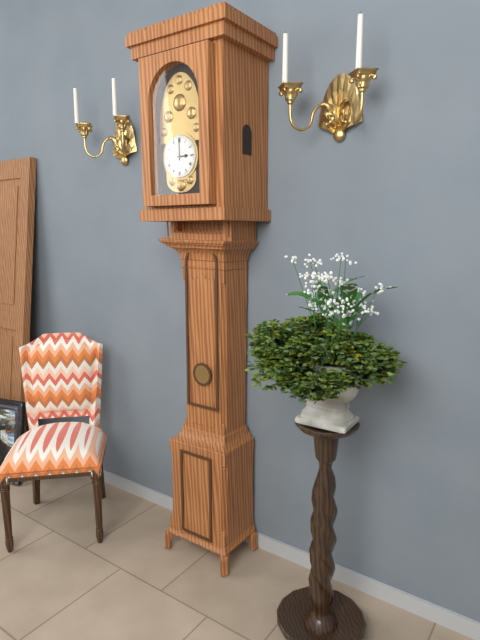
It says 3.00
